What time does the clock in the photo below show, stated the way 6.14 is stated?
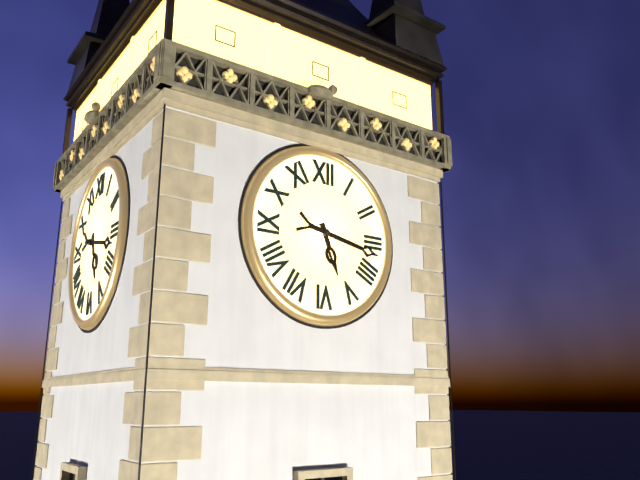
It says 5.17
